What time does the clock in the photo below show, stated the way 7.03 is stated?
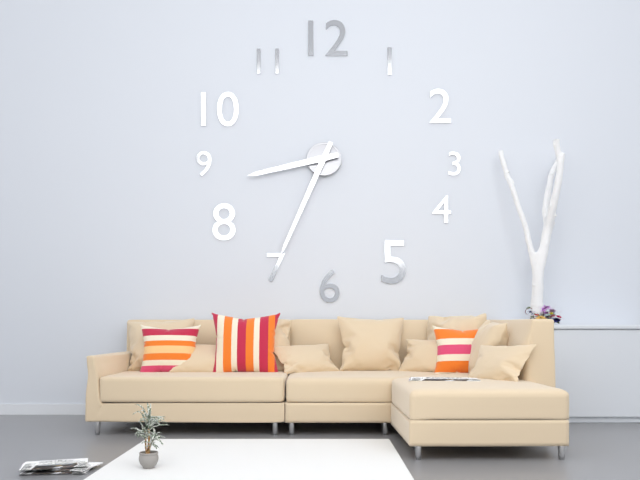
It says 8.34
